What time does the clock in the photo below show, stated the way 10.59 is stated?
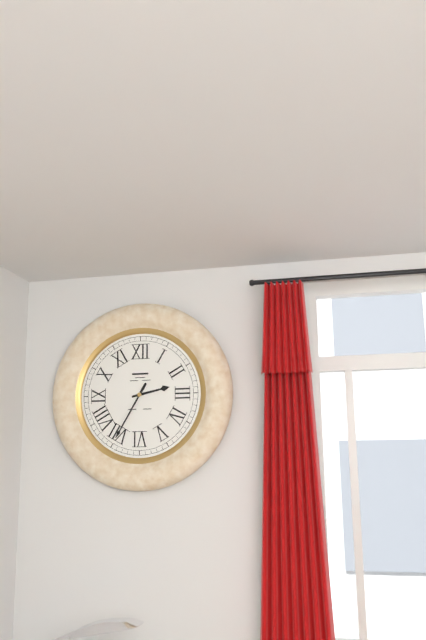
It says 2.35
